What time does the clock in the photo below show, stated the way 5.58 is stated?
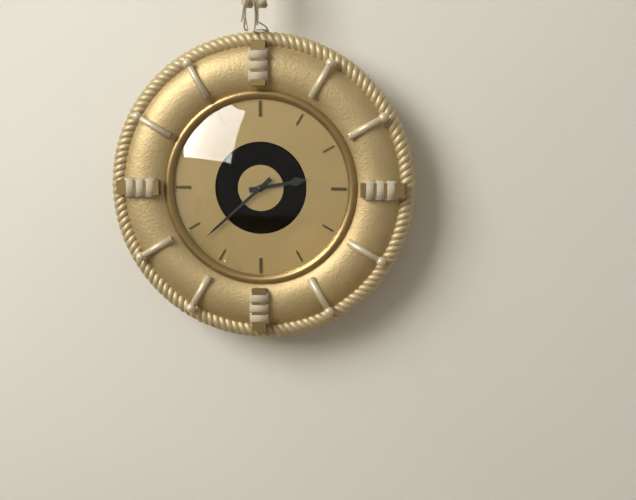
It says 2.38
